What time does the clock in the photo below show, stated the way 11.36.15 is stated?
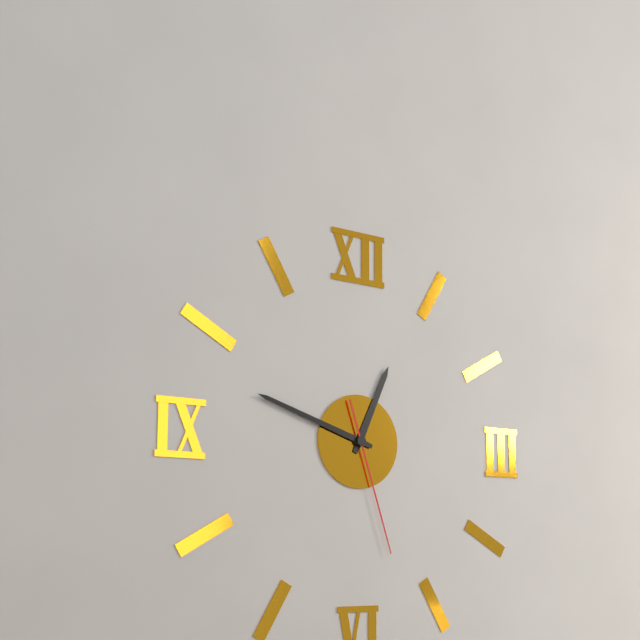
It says 12.48.27
